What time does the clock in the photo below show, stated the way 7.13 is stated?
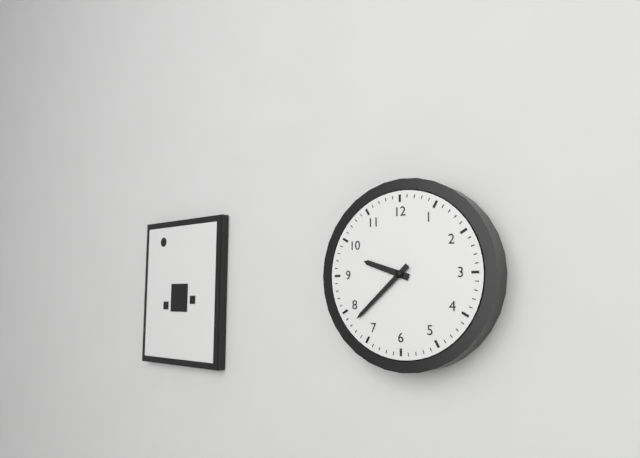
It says 9.38
